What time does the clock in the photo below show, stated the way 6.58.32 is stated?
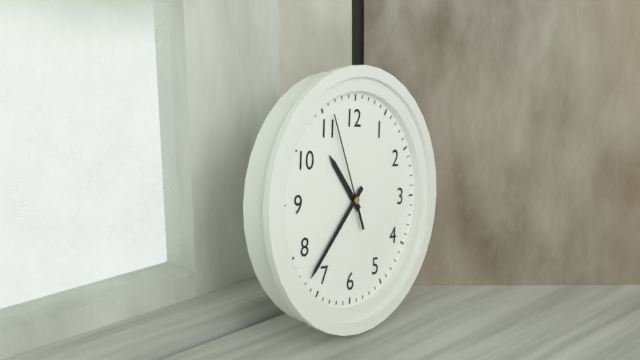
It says 10.37.56
